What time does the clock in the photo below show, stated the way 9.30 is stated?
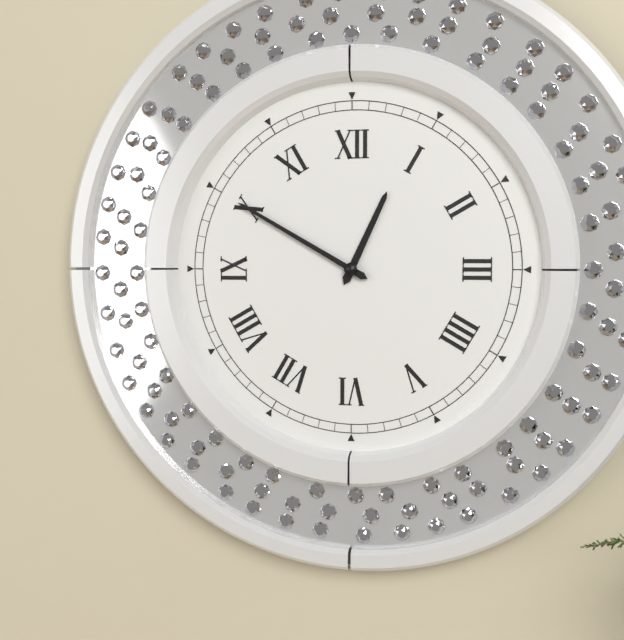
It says 12.50
